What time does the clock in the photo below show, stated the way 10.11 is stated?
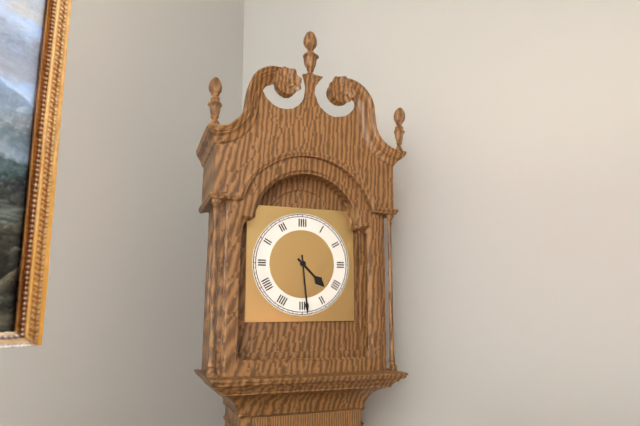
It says 4.29
